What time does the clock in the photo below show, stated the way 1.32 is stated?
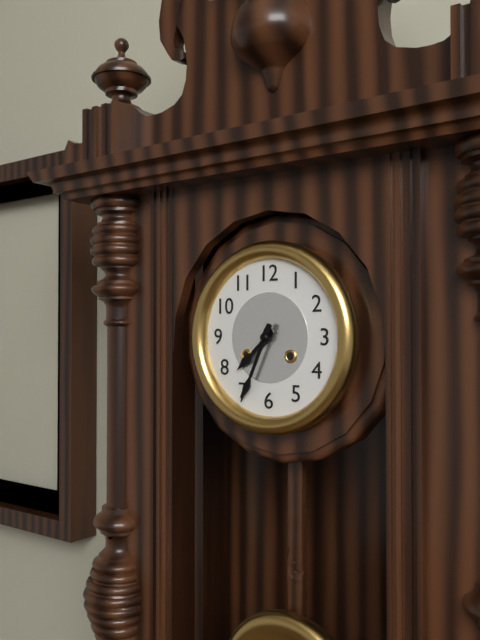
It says 7.34
